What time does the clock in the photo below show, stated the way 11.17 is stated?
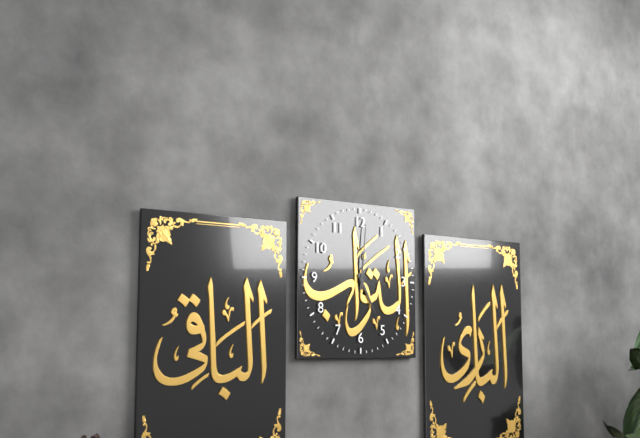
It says 5.01
